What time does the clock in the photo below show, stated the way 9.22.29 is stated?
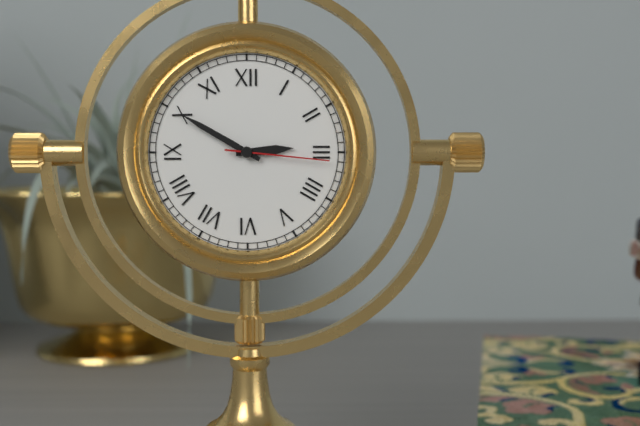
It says 2.50.16
